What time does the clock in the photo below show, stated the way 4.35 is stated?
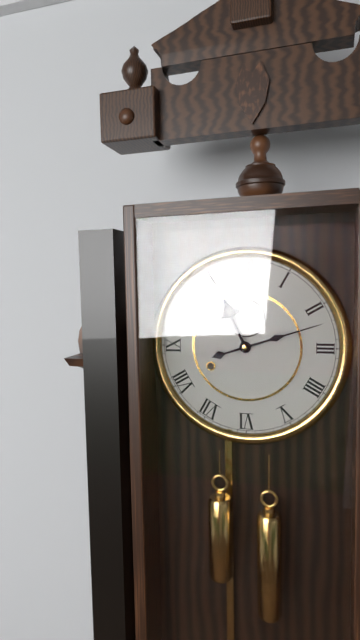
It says 11.12
